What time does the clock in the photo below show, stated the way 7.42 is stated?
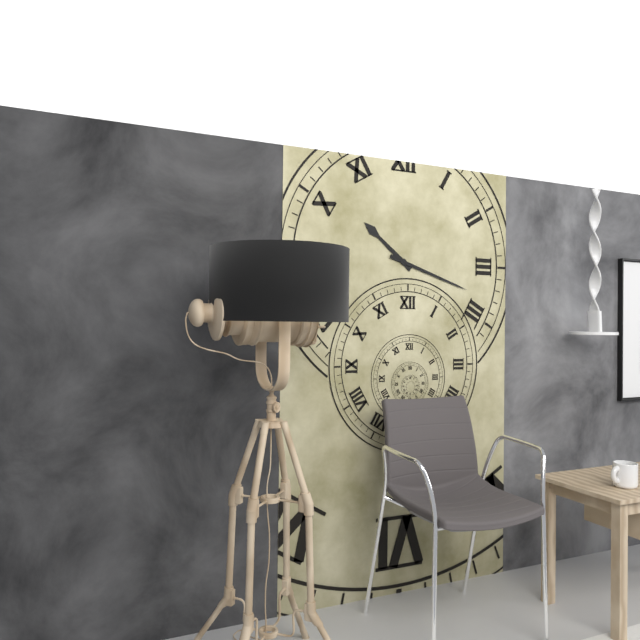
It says 10.18
